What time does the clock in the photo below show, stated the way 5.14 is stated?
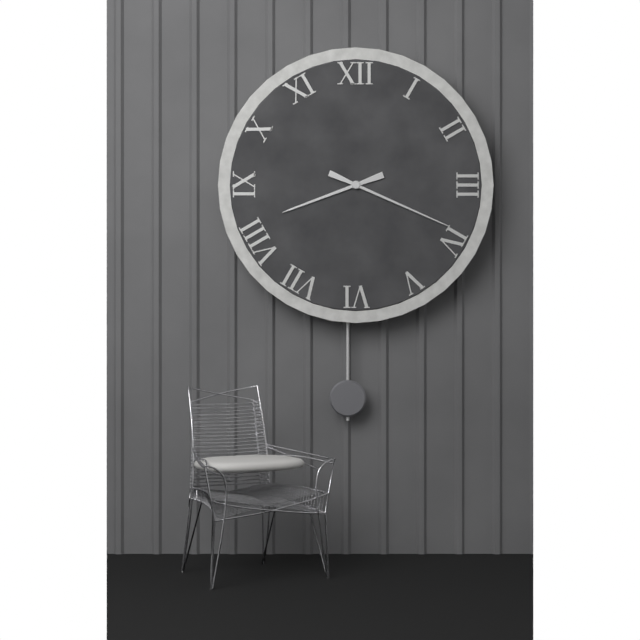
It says 8.19
